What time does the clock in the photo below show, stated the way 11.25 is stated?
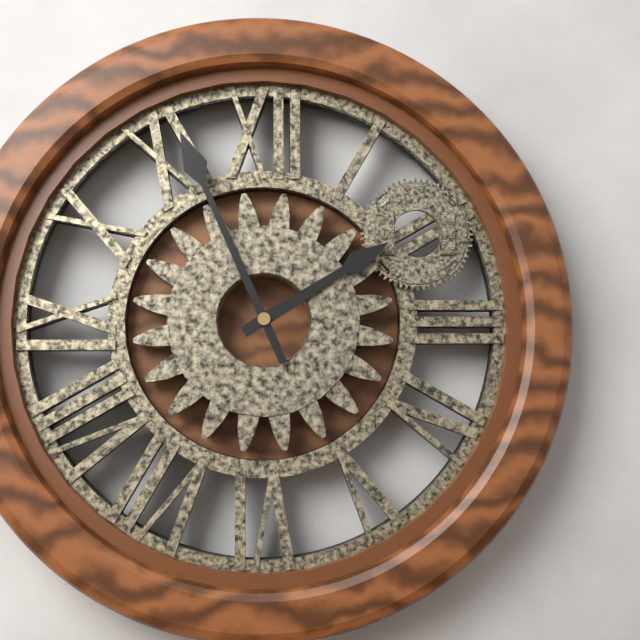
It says 1.56
